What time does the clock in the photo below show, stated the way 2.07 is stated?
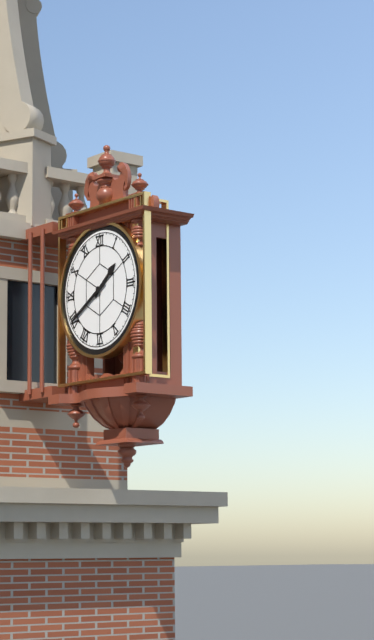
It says 1.40
